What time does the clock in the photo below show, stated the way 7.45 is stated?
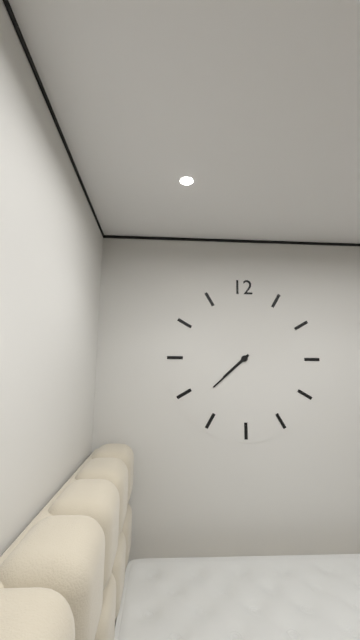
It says 7.38
